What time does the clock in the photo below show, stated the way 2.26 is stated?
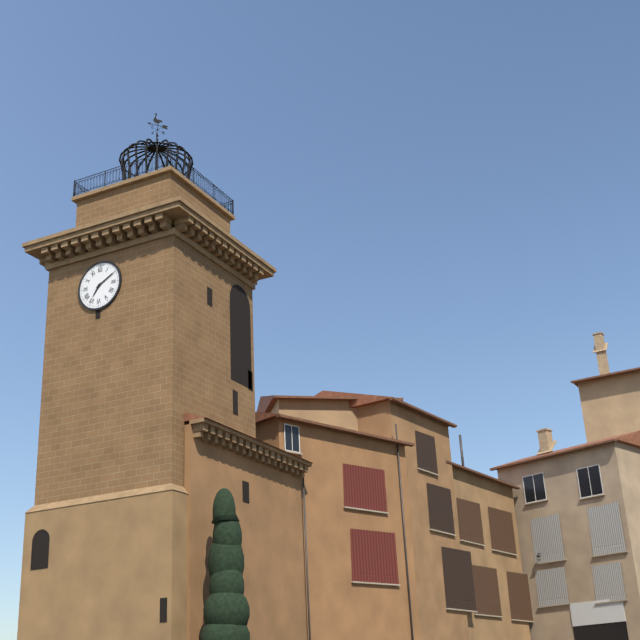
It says 7.10
